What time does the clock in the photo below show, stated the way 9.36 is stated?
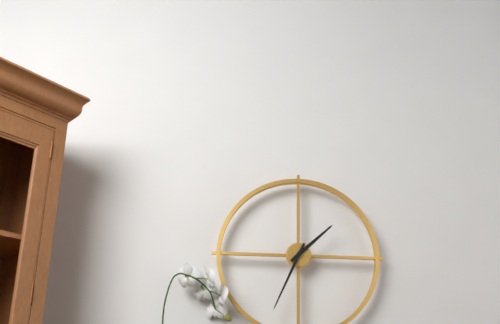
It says 1.34
